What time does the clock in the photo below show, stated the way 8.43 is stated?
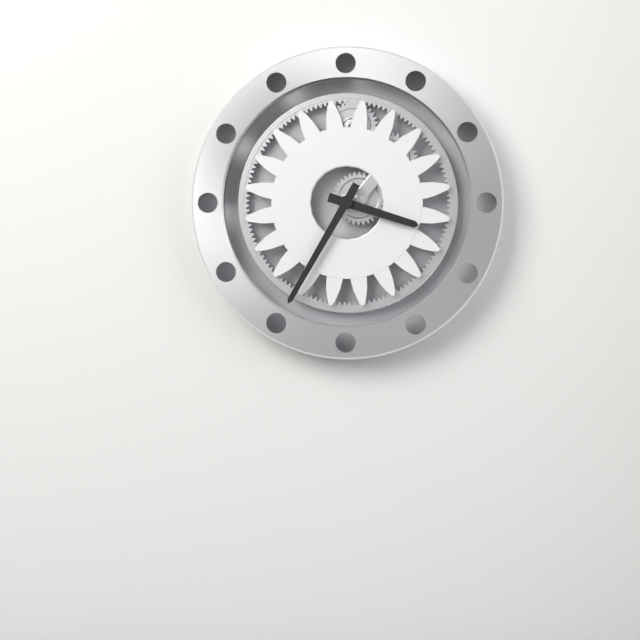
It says 3.35
